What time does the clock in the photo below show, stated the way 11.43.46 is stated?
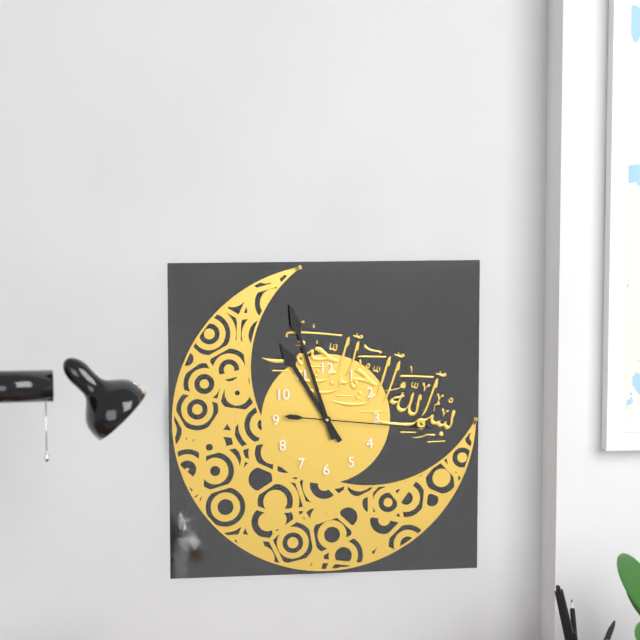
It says 10.57.16
